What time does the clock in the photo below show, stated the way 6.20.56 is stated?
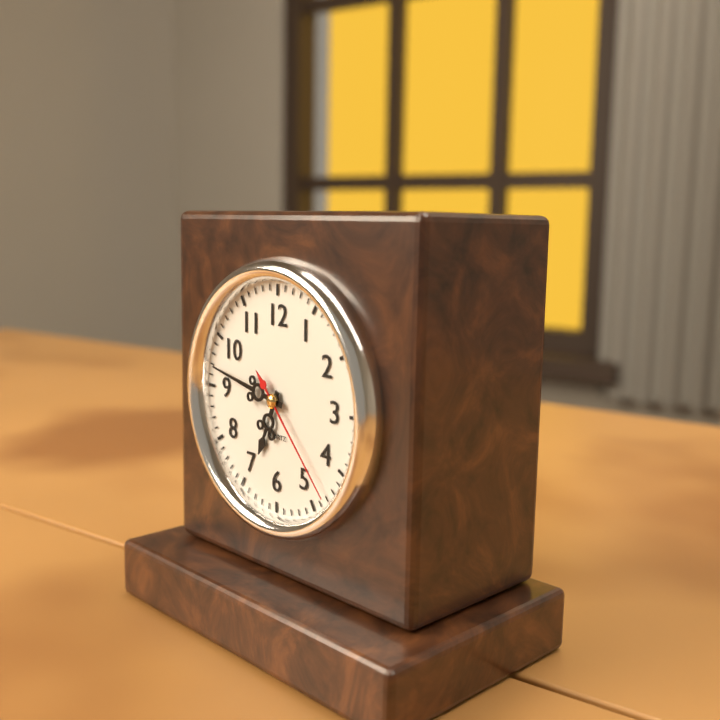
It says 6.47.23
